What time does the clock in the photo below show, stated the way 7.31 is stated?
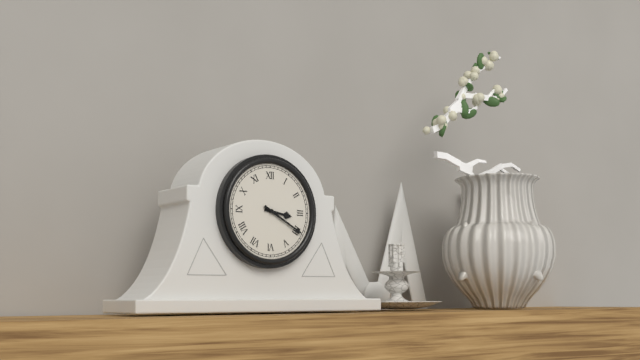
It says 3.20
